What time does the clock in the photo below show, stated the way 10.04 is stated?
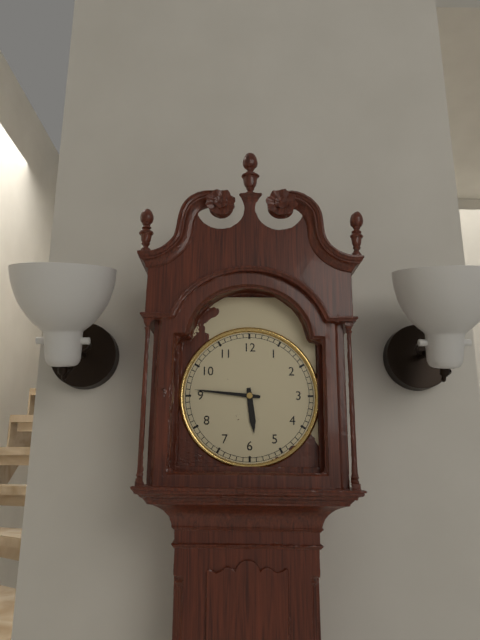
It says 5.46
